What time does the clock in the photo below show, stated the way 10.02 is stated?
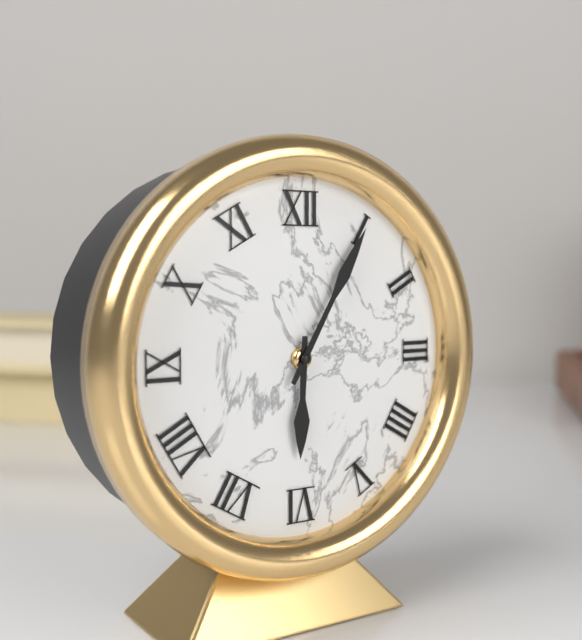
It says 6.05
